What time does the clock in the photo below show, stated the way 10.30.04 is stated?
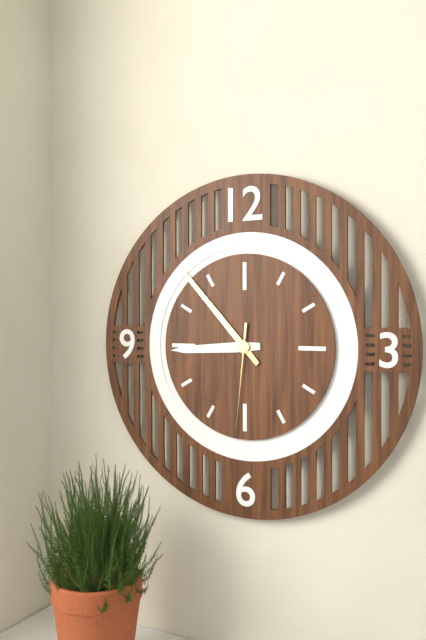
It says 8.53.31
